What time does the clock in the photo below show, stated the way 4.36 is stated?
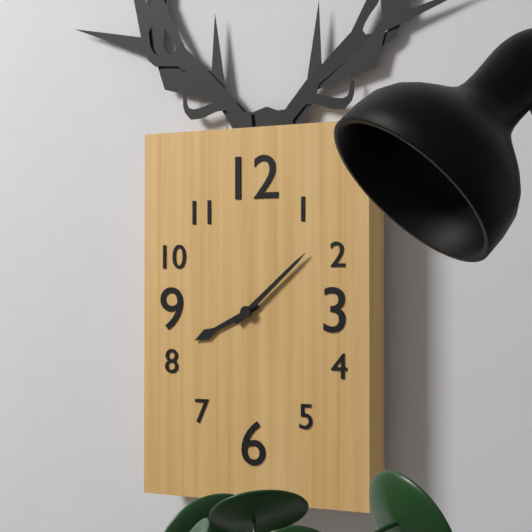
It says 8.08
